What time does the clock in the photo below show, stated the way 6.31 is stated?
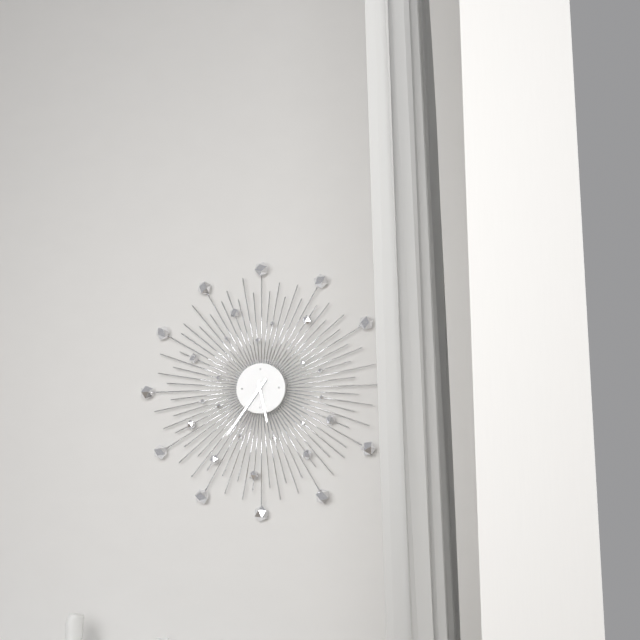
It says 5.36
